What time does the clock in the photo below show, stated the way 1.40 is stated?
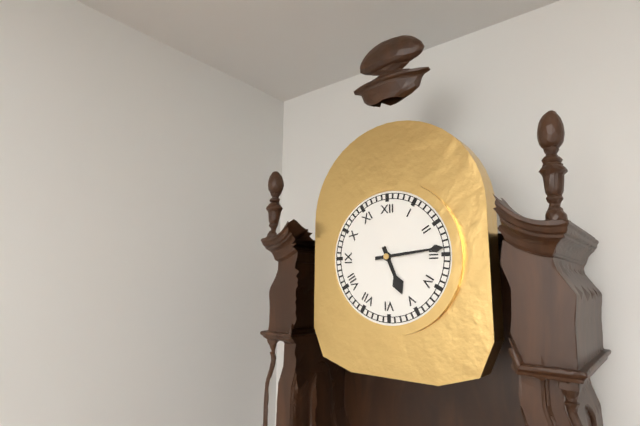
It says 5.14
